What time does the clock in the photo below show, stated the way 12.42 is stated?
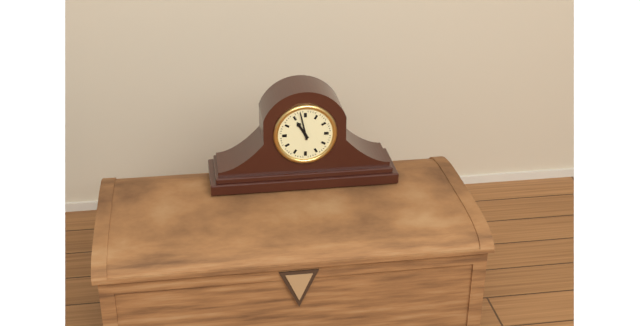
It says 10.58
